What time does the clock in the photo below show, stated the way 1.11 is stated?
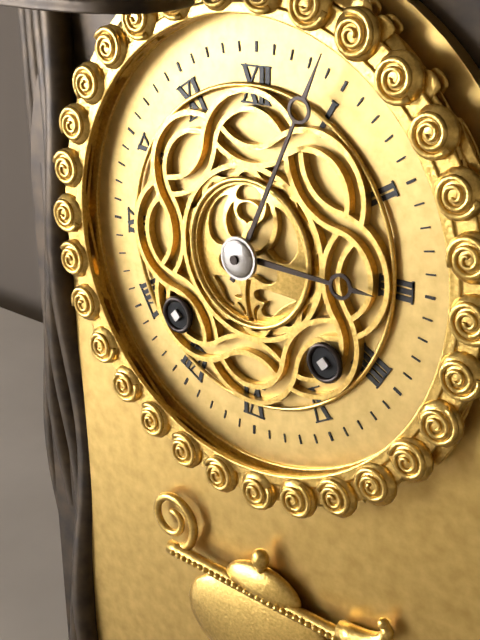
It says 3.04
